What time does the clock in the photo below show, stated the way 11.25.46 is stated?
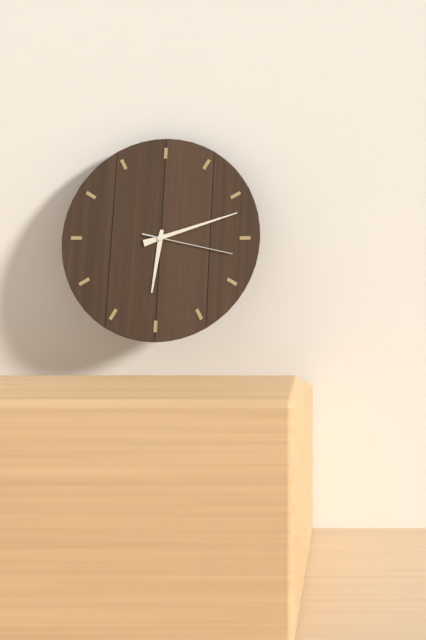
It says 6.12.17
